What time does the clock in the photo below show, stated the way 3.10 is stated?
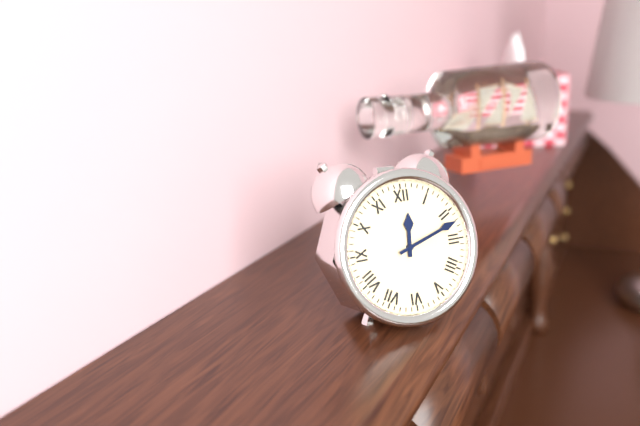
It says 12.12
